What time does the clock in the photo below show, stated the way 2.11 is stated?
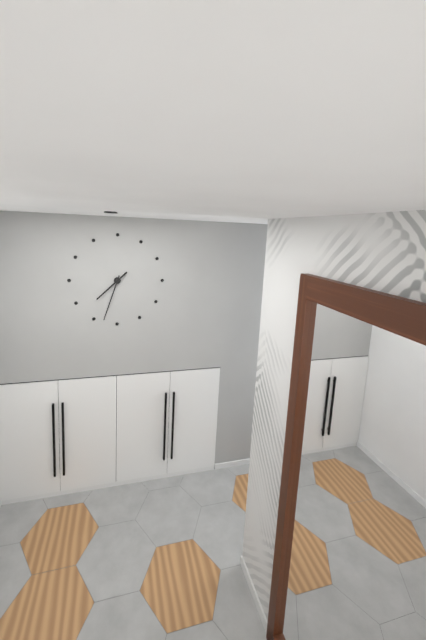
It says 7.33
